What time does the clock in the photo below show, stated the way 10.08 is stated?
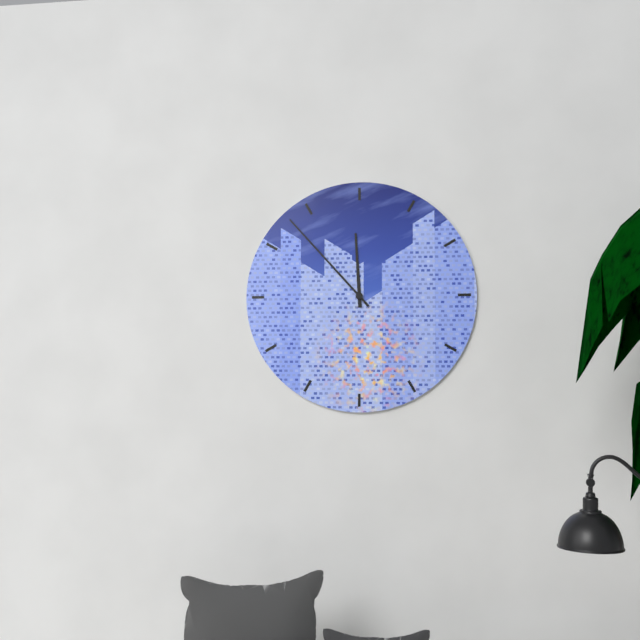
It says 11.53
